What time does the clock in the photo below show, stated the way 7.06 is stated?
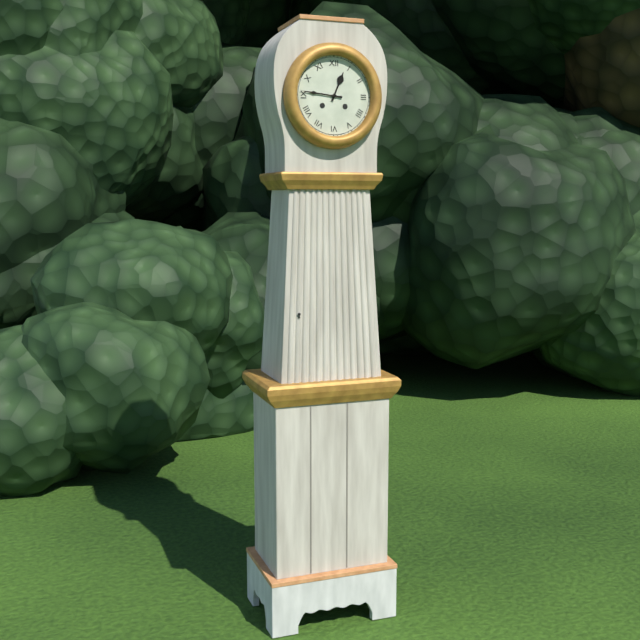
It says 12.46
